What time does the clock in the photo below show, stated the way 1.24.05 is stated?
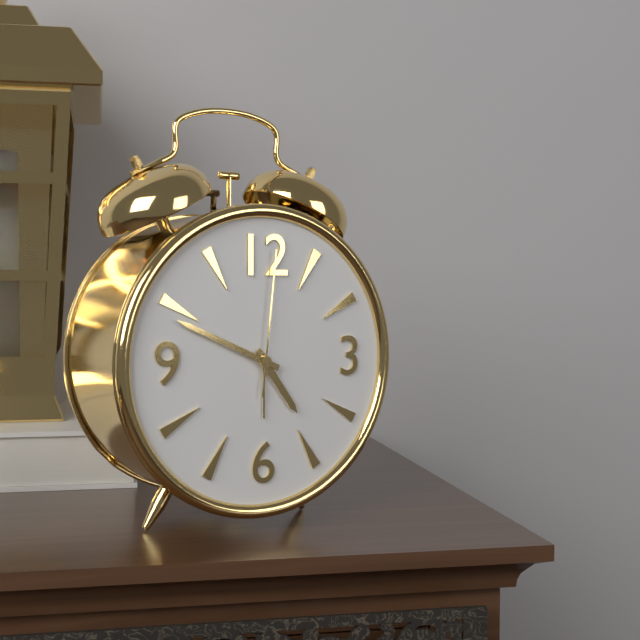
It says 4.49.01
